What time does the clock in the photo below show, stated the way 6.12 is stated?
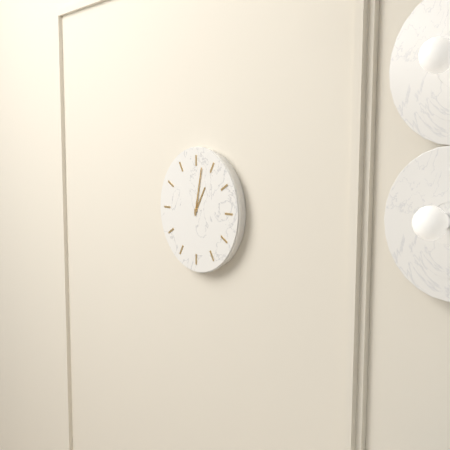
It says 1.02
